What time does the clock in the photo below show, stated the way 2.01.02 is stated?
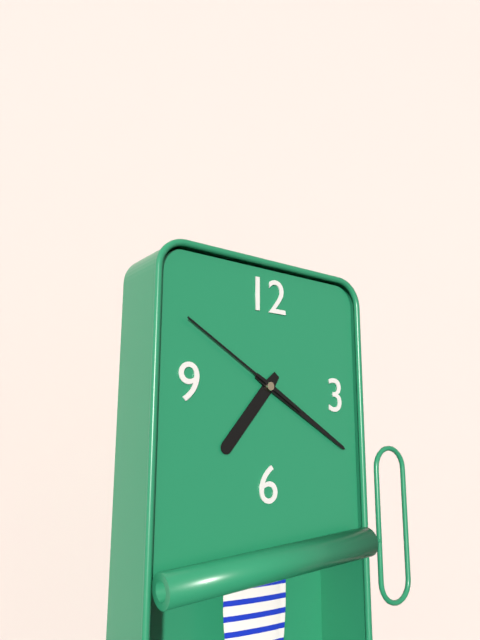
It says 7.20.50
